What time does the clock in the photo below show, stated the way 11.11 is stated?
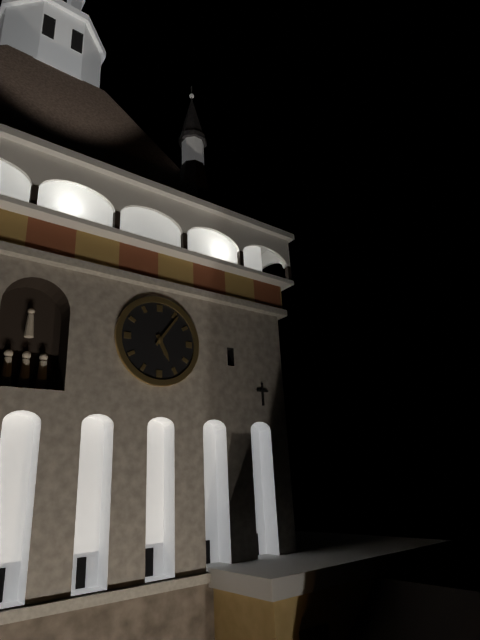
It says 5.06
